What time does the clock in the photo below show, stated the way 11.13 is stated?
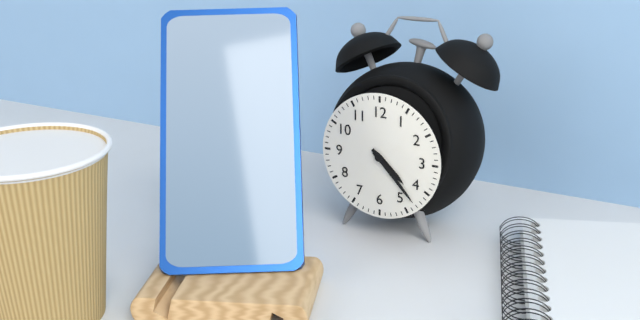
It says 4.23
